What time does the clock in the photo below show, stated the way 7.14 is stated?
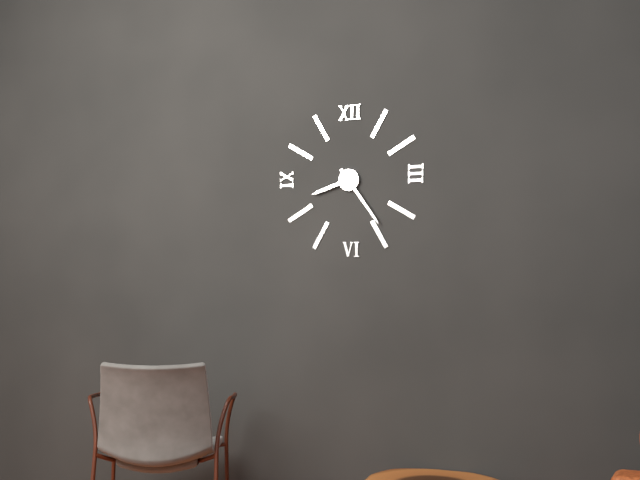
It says 8.24
